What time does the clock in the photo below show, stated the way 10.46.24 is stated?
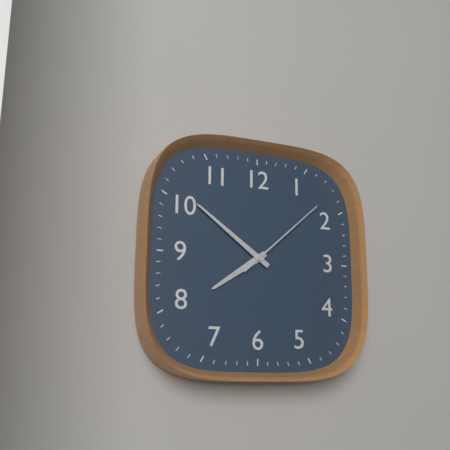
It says 7.51.08
